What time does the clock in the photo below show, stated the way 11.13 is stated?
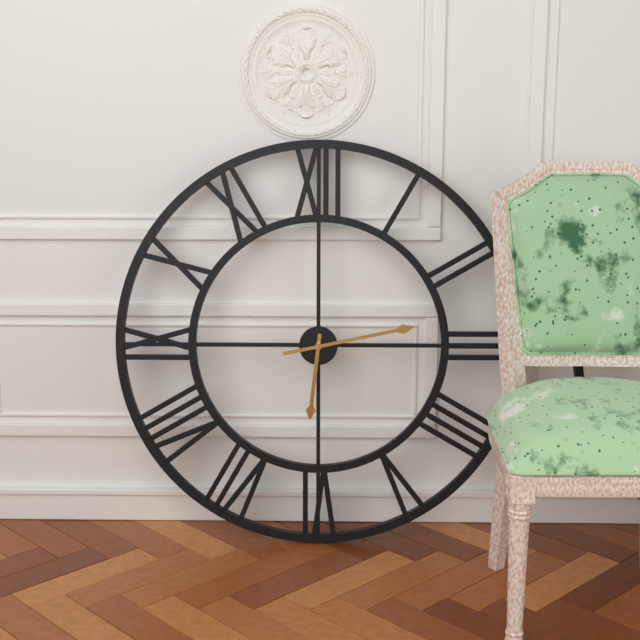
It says 6.13
